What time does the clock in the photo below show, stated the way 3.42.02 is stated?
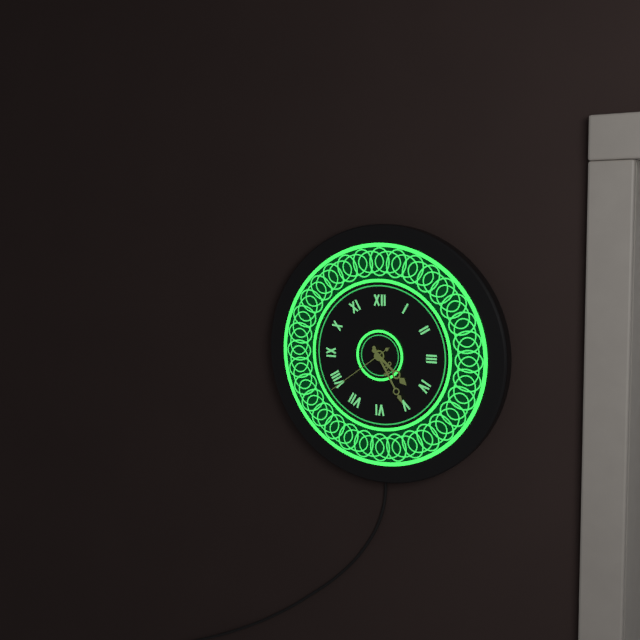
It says 4.25.39
